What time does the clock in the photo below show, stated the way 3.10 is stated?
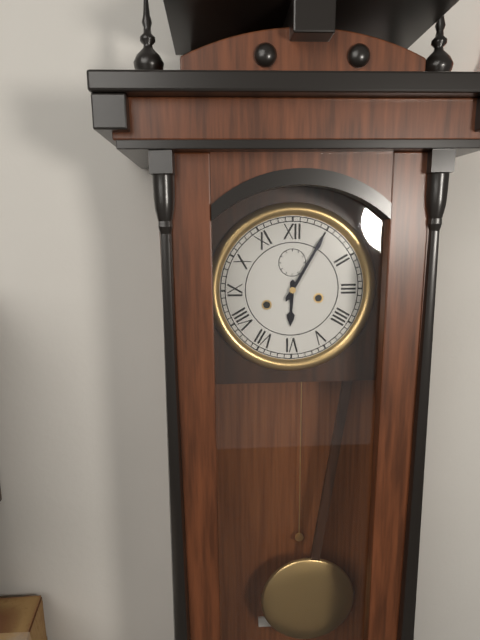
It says 6.05
